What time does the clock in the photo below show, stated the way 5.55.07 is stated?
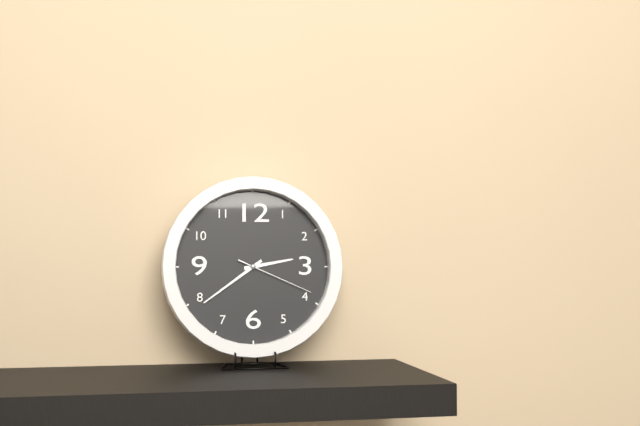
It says 2.39.19
